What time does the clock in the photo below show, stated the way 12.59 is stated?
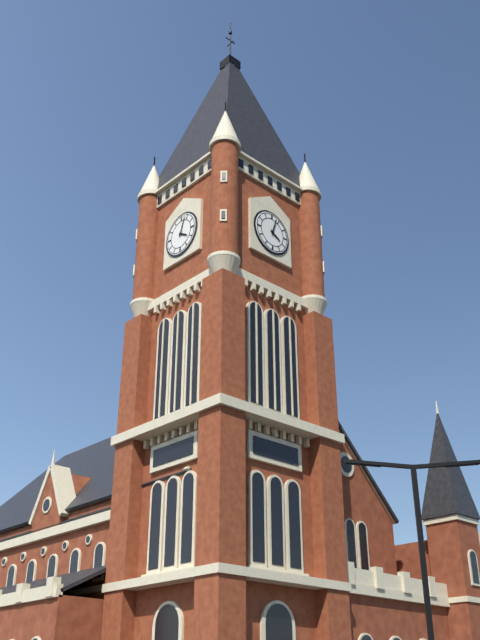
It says 4.03
